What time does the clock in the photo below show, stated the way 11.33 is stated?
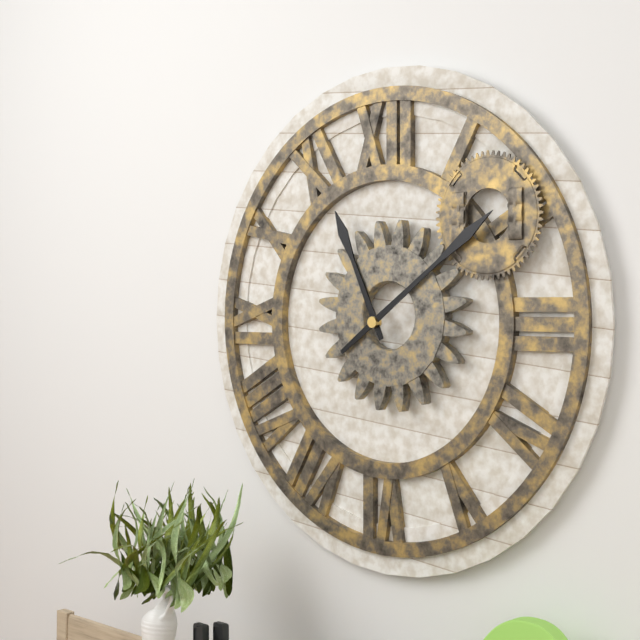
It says 11.09
